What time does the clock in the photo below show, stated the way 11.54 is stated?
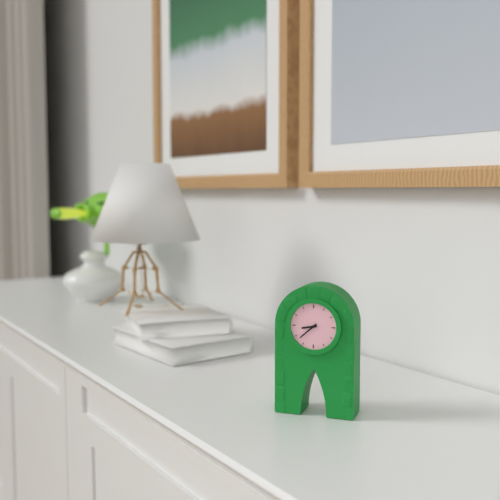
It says 8.38
